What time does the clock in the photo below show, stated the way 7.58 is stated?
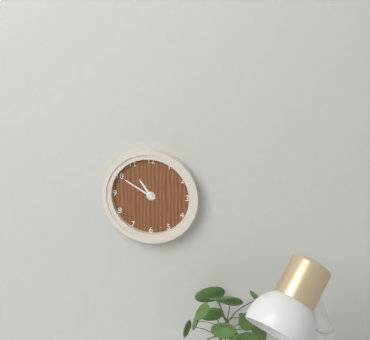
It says 10.50
